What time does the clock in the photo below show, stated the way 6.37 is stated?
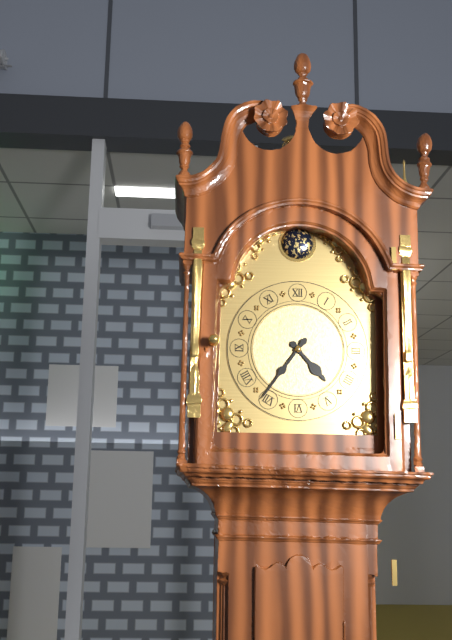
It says 4.36
